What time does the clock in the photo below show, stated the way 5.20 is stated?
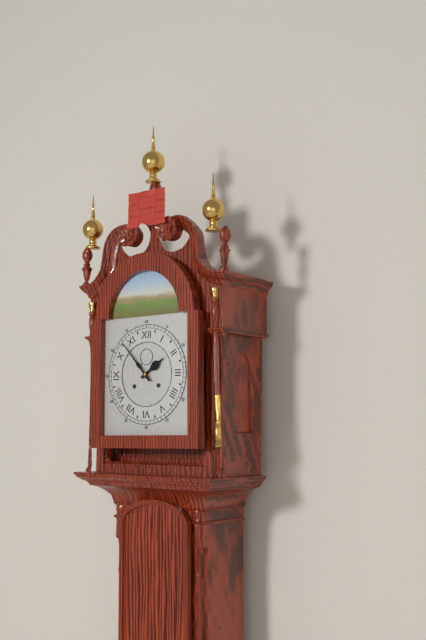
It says 1.53
